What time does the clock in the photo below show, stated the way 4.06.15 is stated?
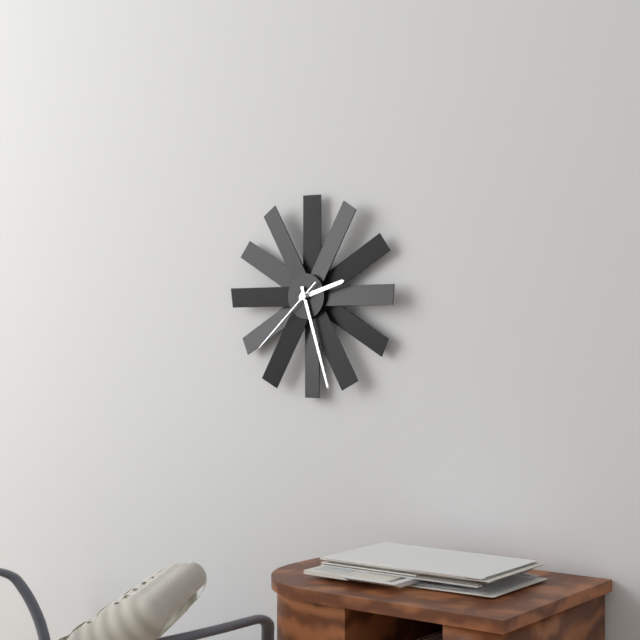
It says 2.27.38
